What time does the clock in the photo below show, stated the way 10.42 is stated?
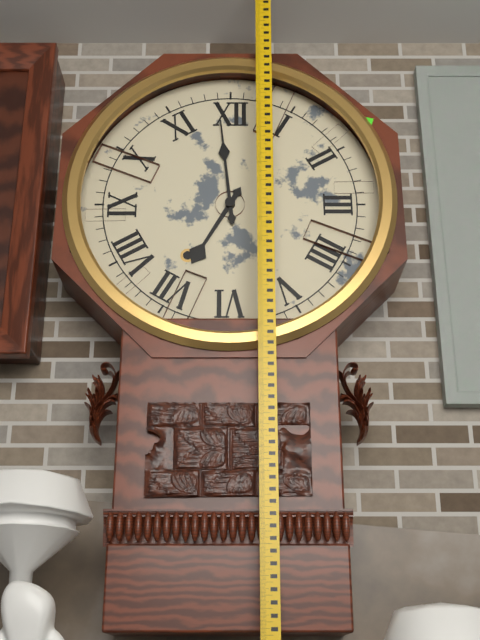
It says 6.59
